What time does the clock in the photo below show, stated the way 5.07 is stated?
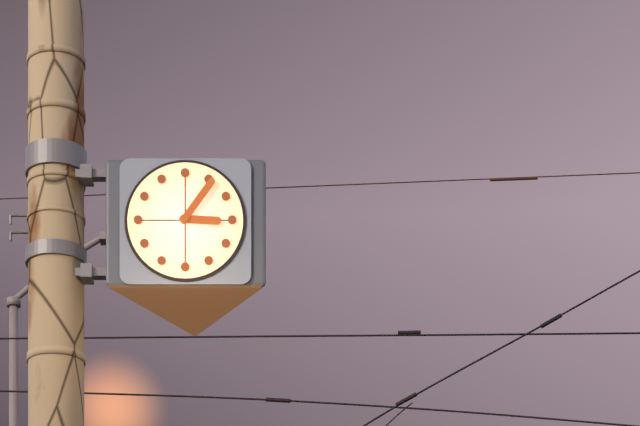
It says 3.06
